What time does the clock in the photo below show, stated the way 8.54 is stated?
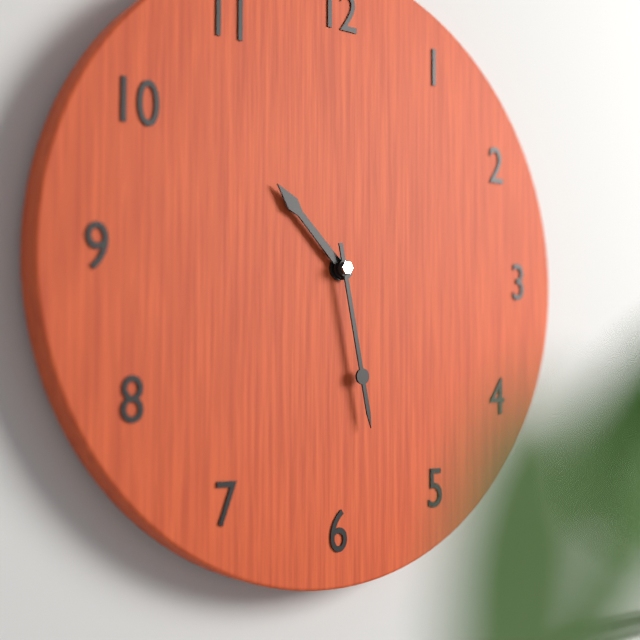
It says 10.28
